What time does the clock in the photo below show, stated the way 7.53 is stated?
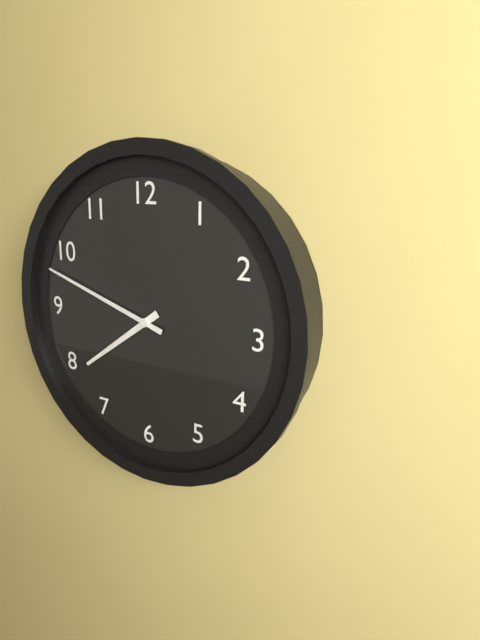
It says 7.48
